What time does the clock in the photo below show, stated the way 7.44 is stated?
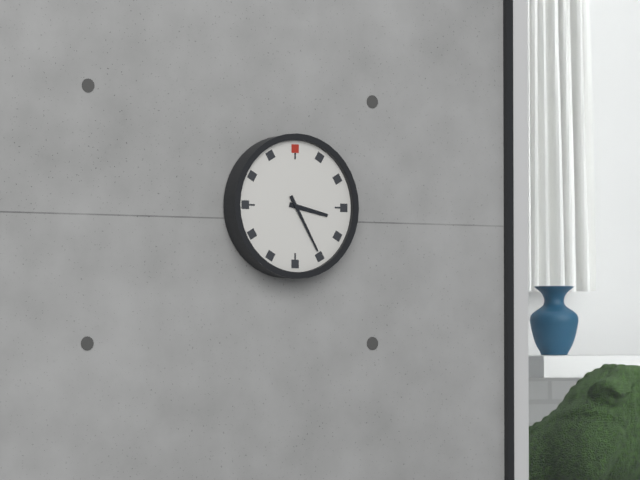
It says 3.25
